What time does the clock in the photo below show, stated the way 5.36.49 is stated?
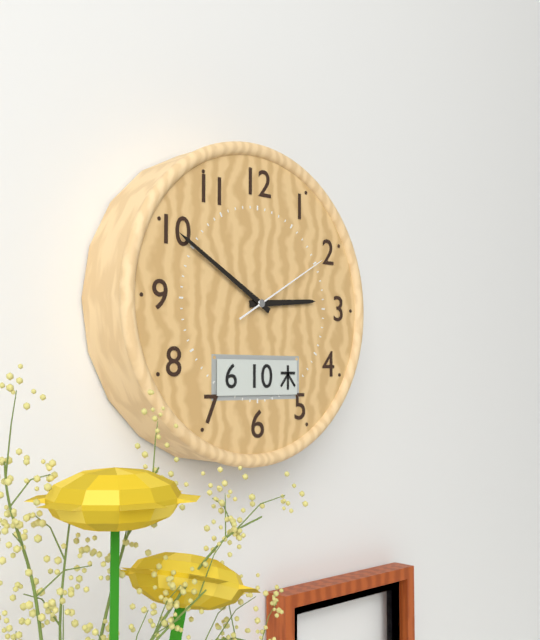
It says 2.50.10
